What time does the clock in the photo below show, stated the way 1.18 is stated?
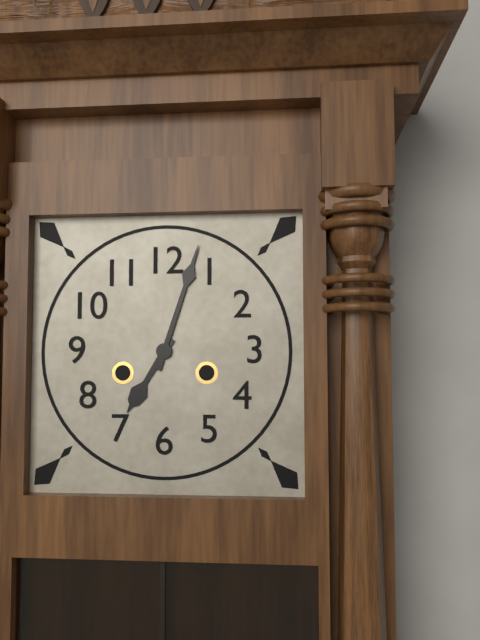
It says 7.03
